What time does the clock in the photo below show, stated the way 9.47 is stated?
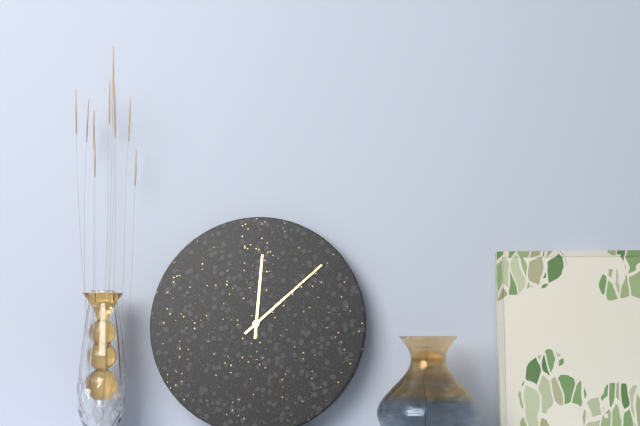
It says 12.08
